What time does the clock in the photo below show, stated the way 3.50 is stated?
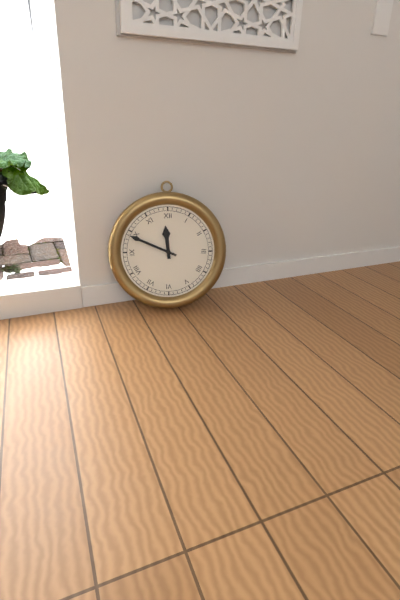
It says 11.49
